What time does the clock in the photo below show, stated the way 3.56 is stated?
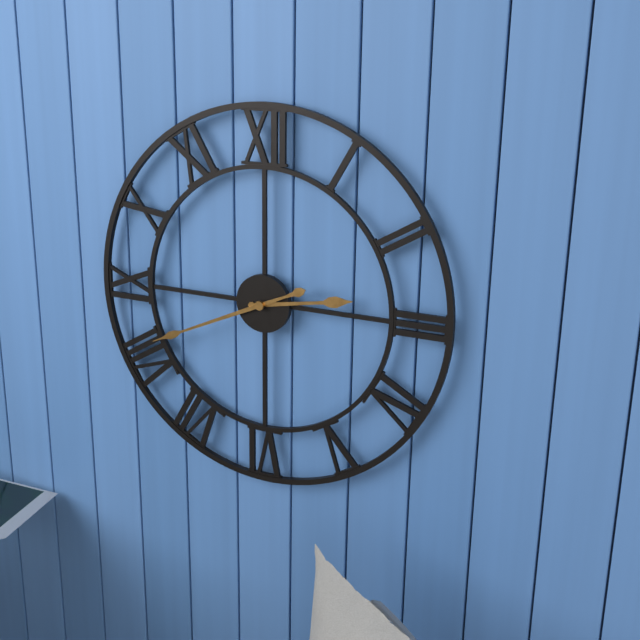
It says 2.41
